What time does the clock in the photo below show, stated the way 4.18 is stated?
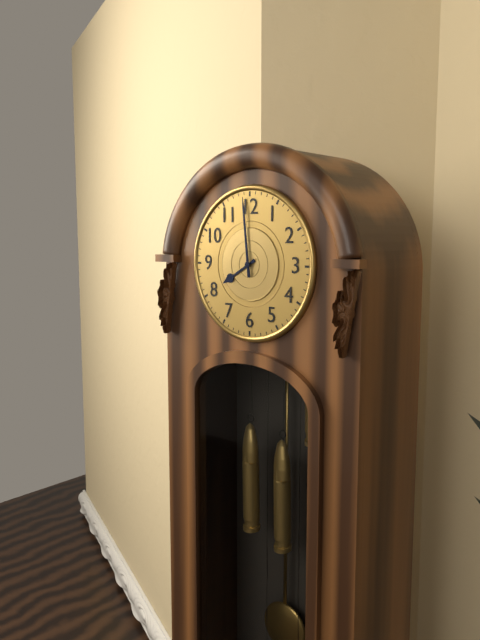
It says 7.59
